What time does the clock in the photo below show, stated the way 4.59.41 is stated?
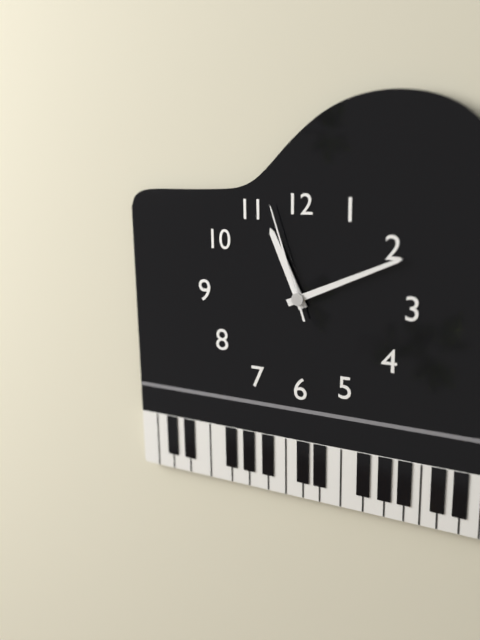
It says 11.11.57
